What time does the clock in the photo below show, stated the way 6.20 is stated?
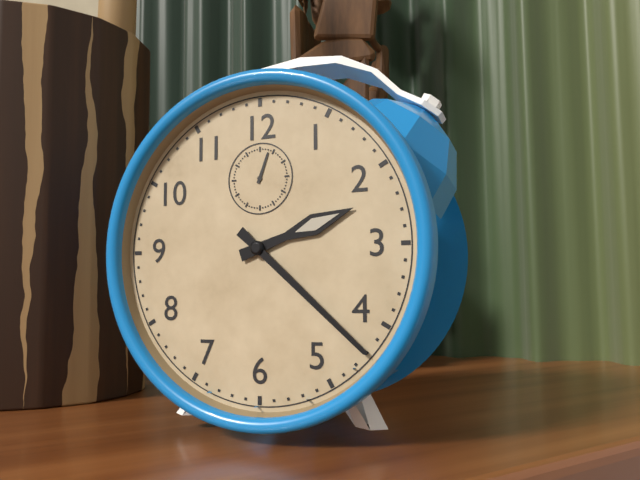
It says 2.22
